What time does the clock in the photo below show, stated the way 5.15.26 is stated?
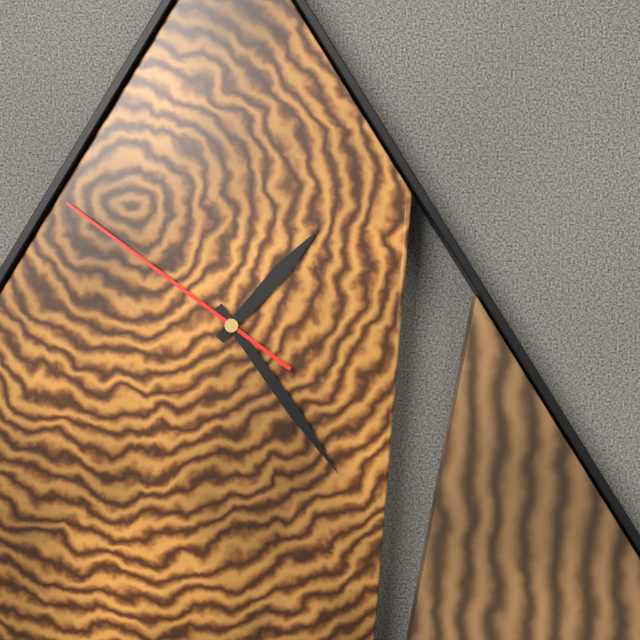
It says 1.24.51
